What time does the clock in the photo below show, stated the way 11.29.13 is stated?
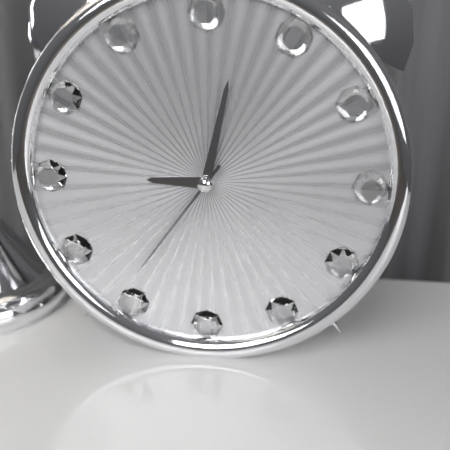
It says 9.02.36
